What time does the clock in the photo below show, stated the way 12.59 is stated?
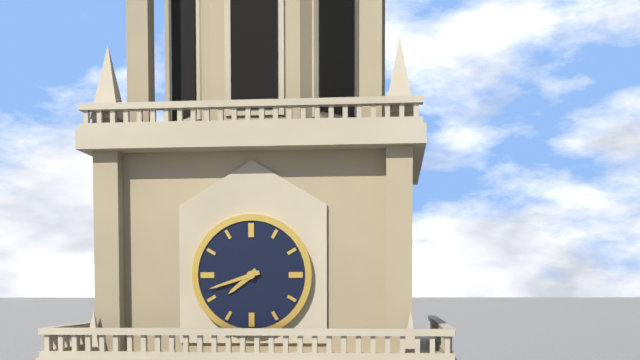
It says 7.42
